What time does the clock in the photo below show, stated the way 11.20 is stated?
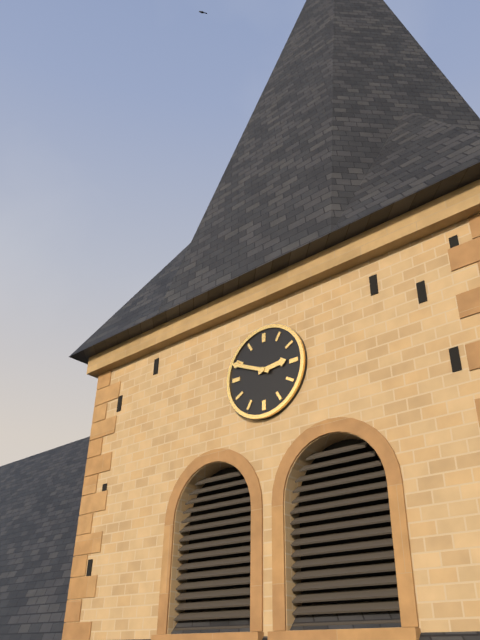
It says 2.49
